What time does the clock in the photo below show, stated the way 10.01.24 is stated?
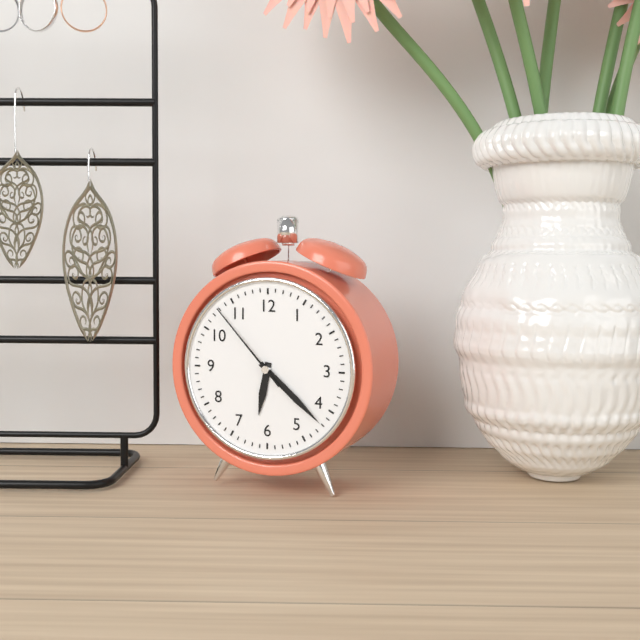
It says 6.22.53
